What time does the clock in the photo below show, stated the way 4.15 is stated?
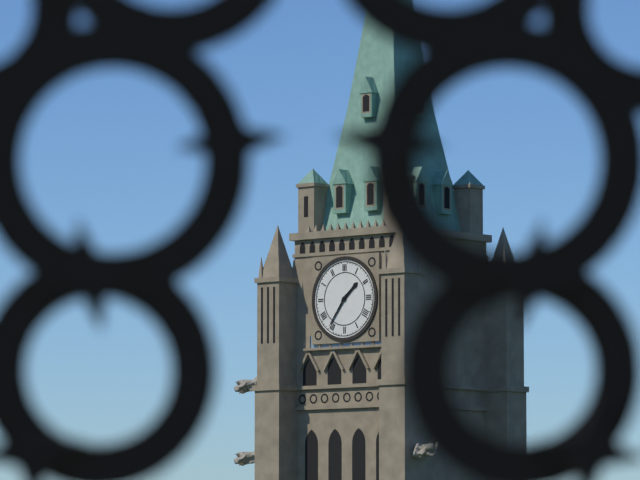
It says 1.36
